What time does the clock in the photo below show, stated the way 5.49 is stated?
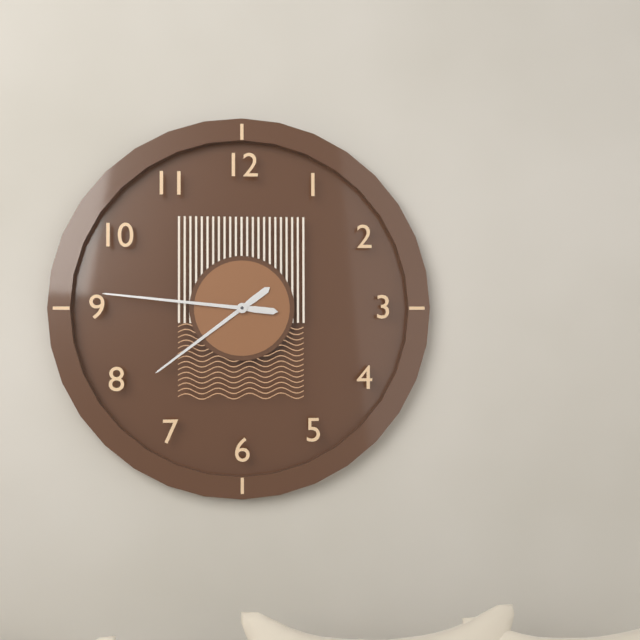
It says 7.46
